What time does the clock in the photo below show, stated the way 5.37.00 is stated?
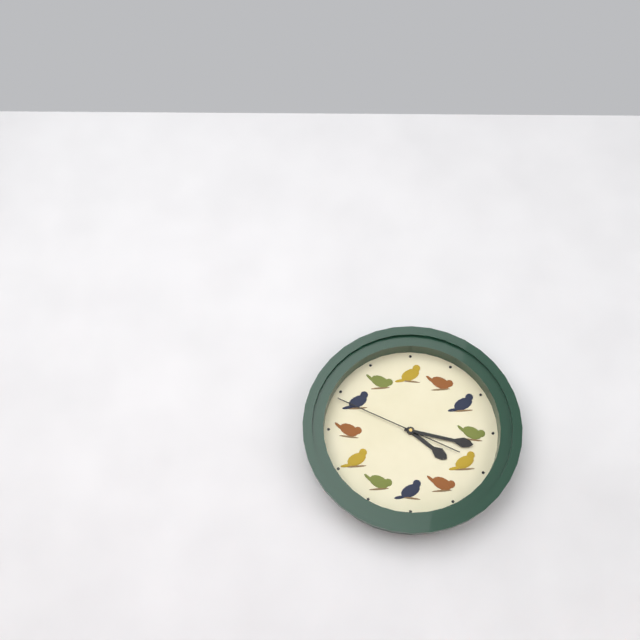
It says 4.17.49
